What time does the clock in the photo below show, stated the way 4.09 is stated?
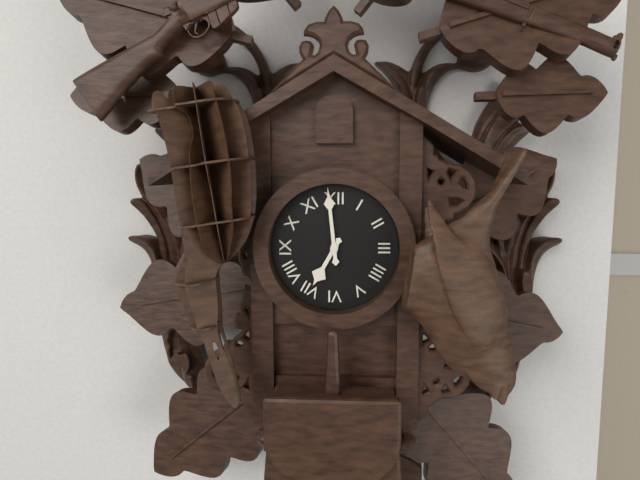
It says 6.59
